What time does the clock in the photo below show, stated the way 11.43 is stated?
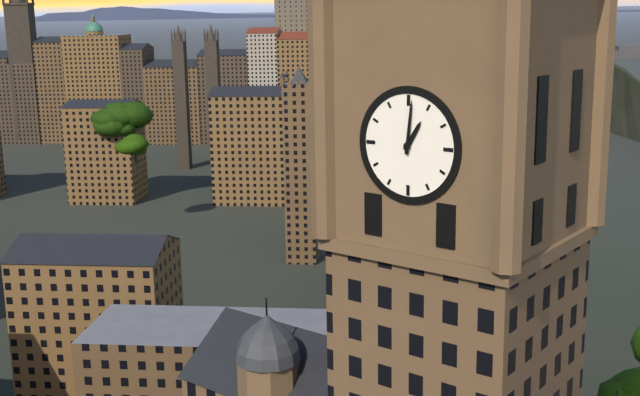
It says 1.01
